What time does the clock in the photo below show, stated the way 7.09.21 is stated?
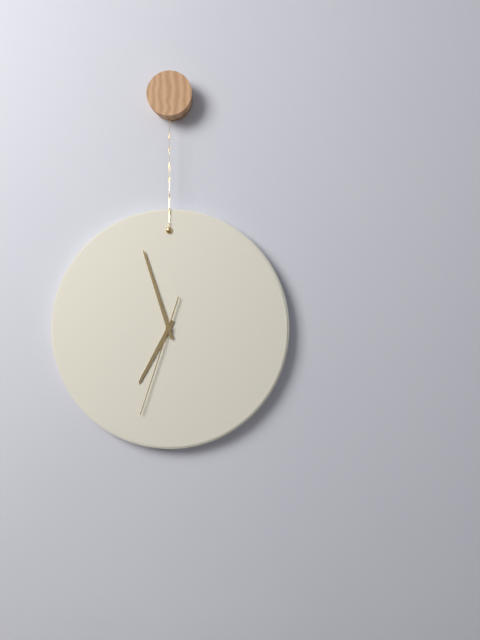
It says 6.57.33
